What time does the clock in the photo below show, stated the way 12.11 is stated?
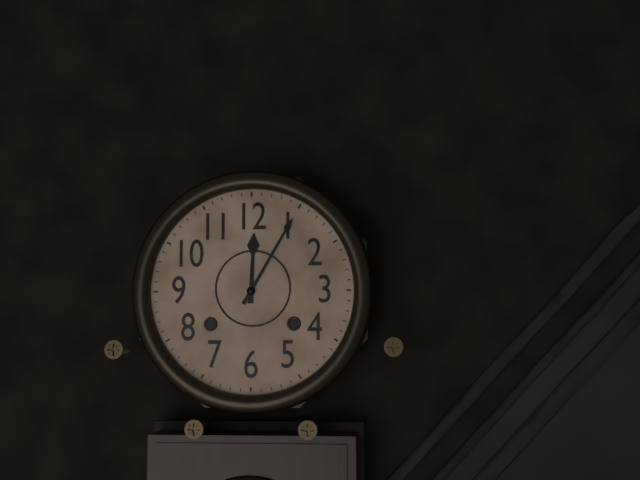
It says 12.05
